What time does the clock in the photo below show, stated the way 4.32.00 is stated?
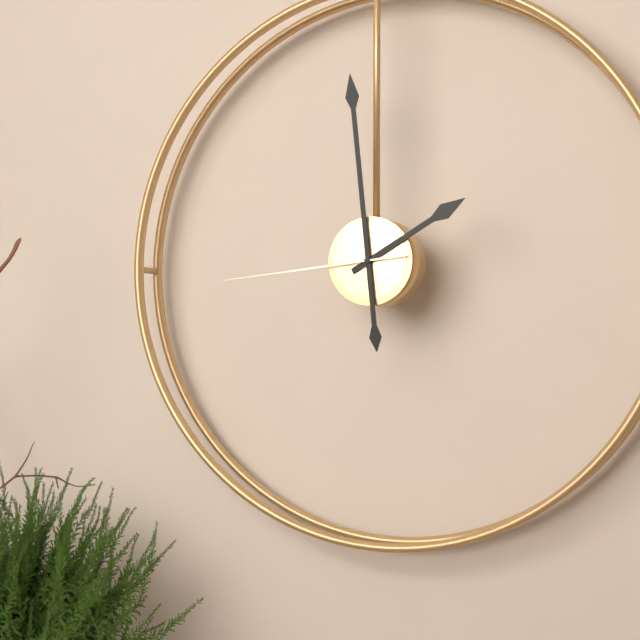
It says 1.59.44
